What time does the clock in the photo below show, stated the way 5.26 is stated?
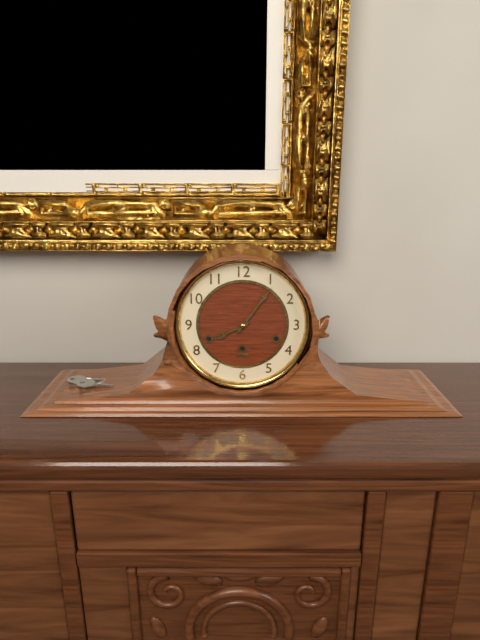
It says 8.06
